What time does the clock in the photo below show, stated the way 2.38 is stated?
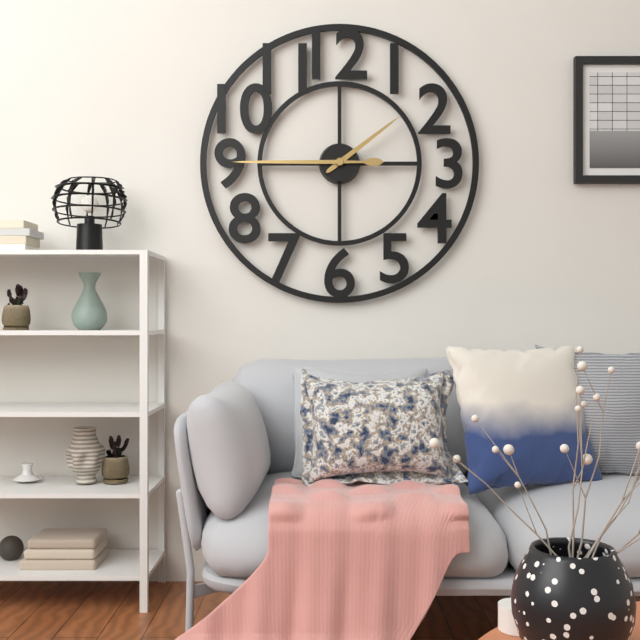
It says 1.45
